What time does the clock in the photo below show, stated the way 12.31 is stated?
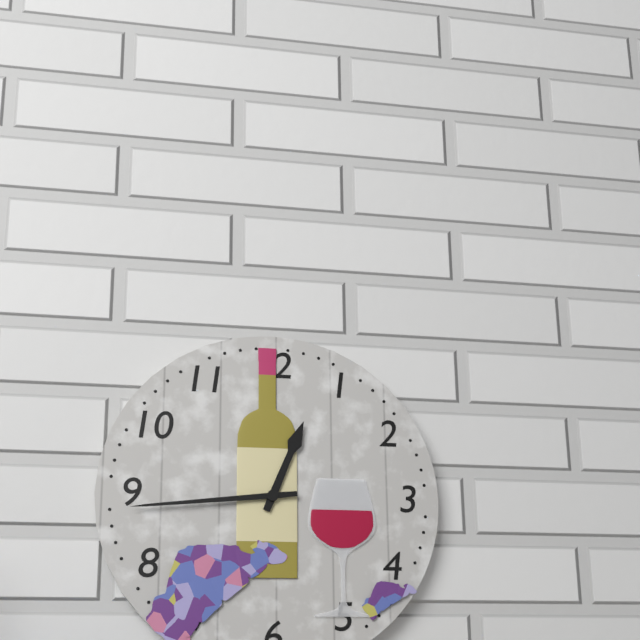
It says 12.44
